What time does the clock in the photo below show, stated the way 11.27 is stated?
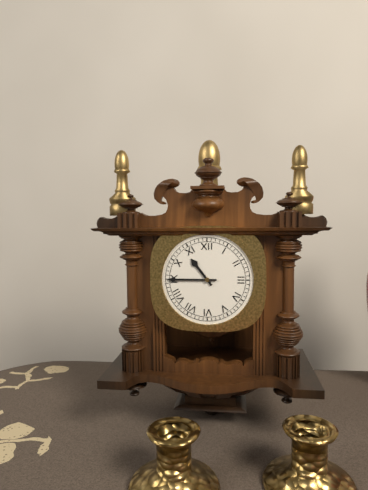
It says 10.45
